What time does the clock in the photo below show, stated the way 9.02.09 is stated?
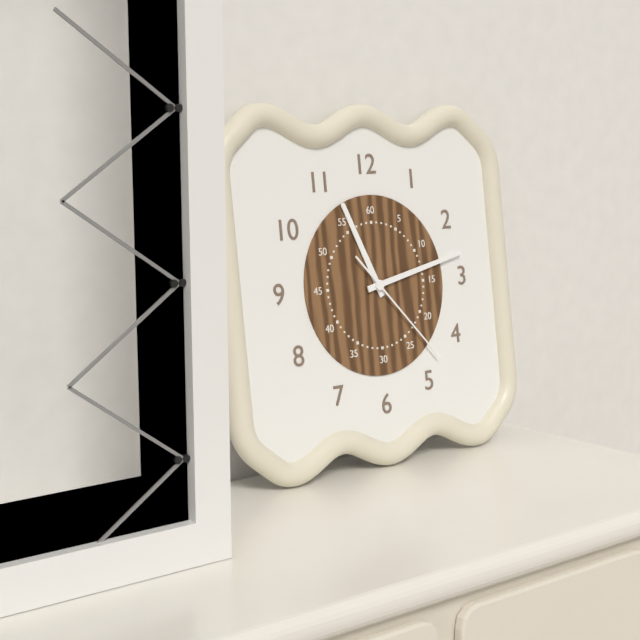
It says 11.13.23
